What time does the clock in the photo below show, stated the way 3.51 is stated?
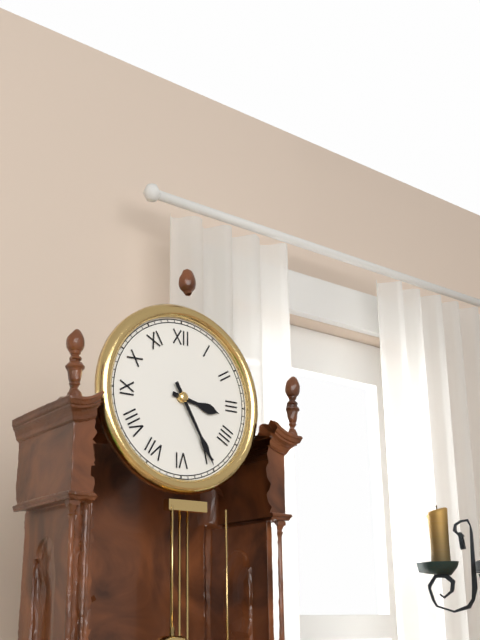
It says 3.25
